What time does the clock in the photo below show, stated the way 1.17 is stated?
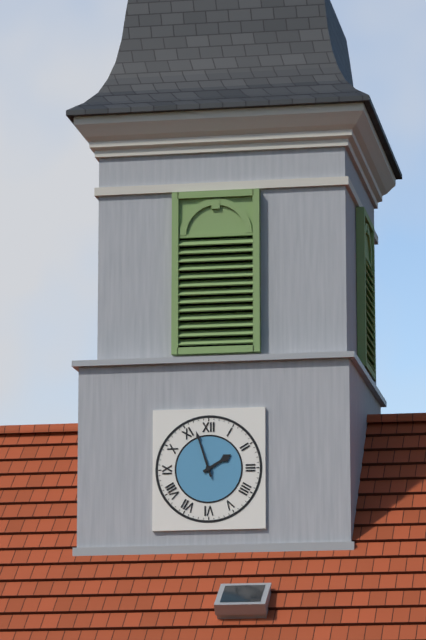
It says 1.57
